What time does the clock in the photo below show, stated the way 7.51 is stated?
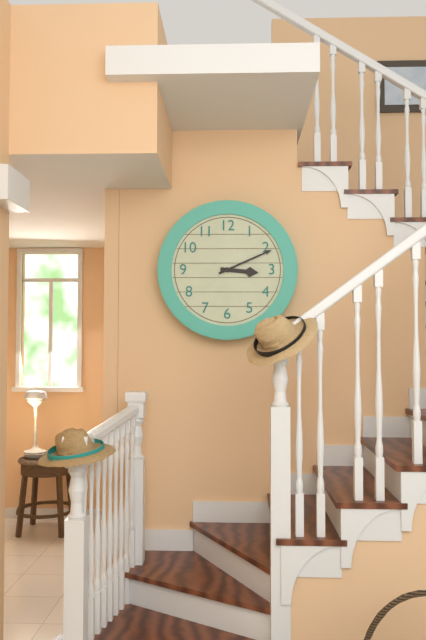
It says 3.11
